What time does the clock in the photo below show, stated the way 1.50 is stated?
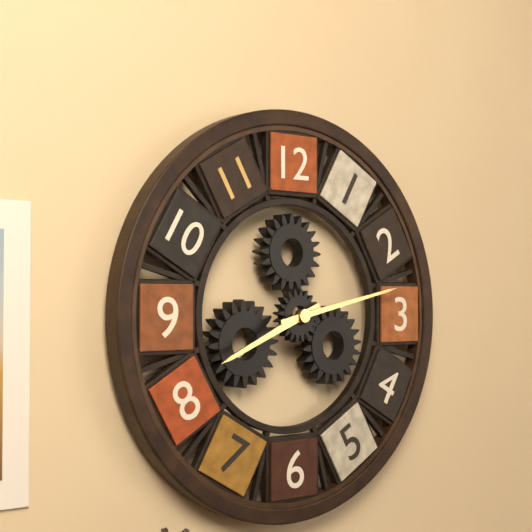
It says 8.13
